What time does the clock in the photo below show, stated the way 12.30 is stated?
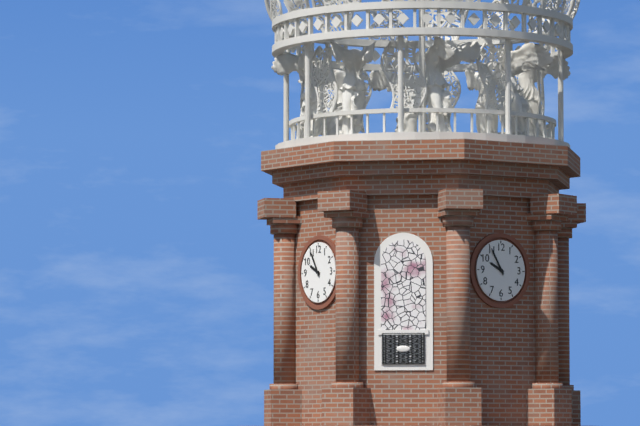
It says 9.55
